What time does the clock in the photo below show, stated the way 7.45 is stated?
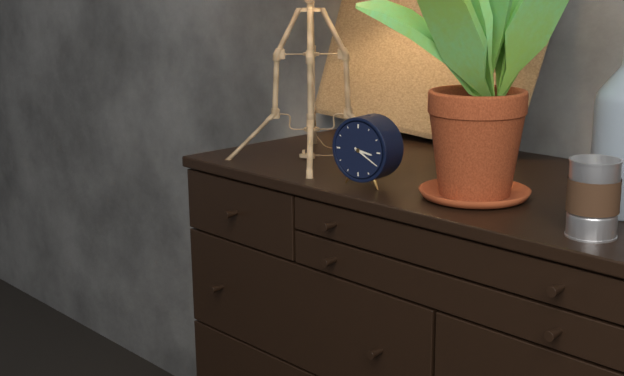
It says 3.20
